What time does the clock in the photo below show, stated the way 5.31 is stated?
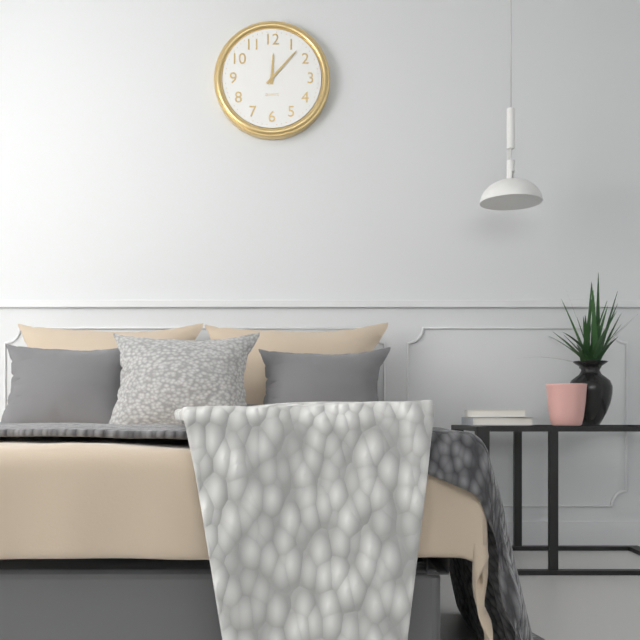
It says 12.07
